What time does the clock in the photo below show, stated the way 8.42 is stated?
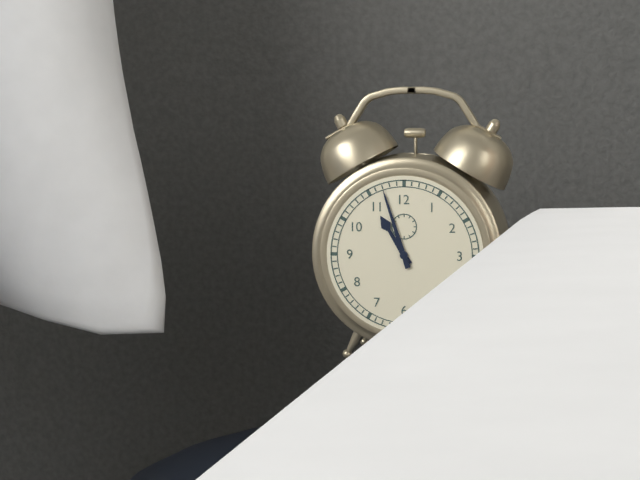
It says 10.57
